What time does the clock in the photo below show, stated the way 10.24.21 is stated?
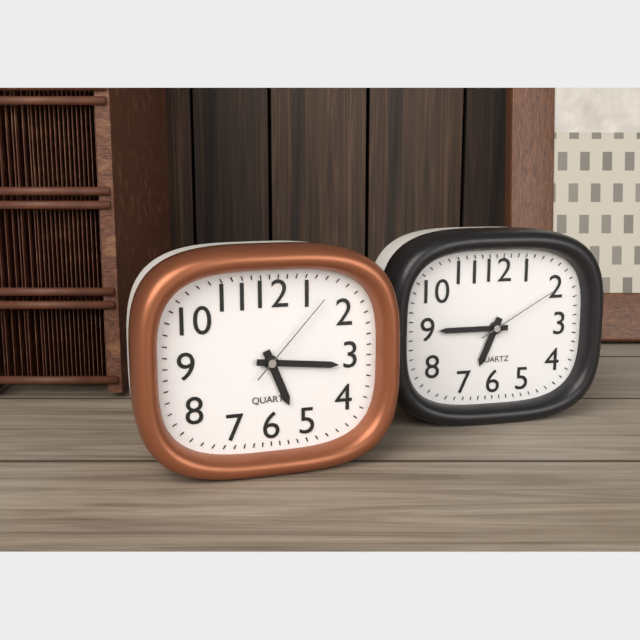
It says 5.16.07
